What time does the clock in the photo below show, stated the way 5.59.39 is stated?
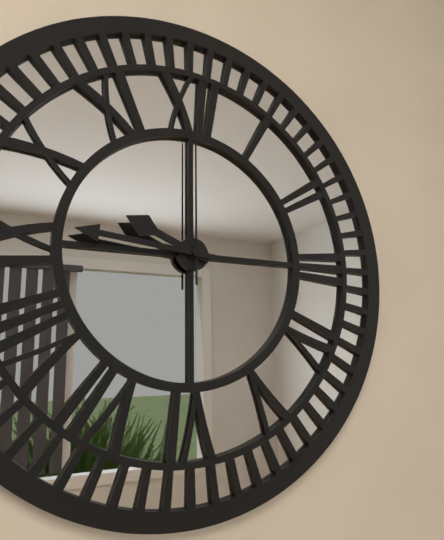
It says 9.46.00
